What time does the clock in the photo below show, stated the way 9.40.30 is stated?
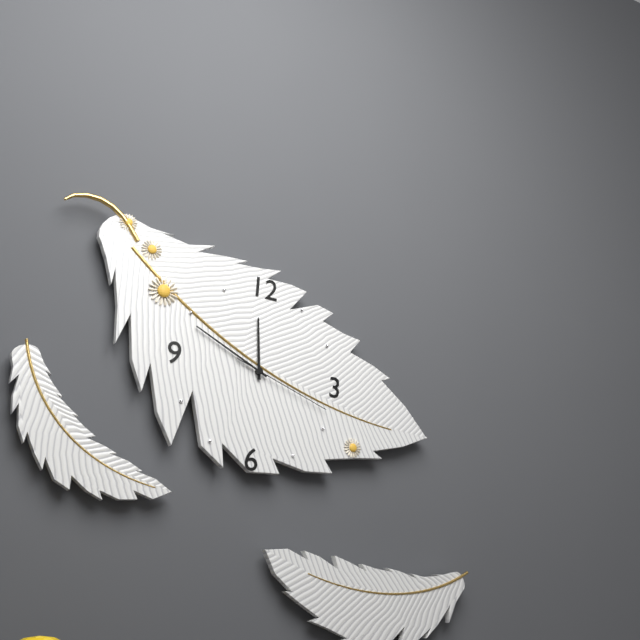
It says 11.49.18
